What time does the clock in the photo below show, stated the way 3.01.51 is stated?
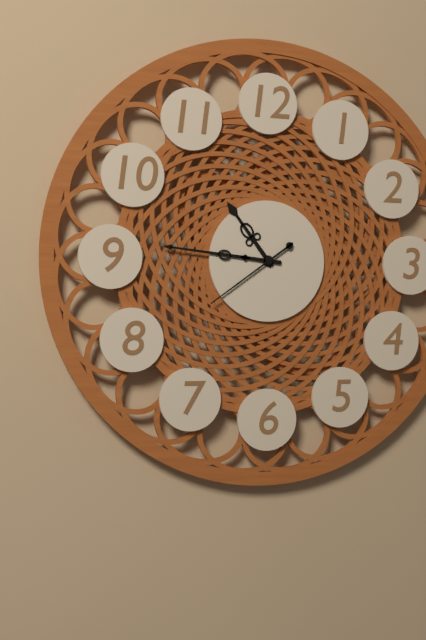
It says 10.46.39
